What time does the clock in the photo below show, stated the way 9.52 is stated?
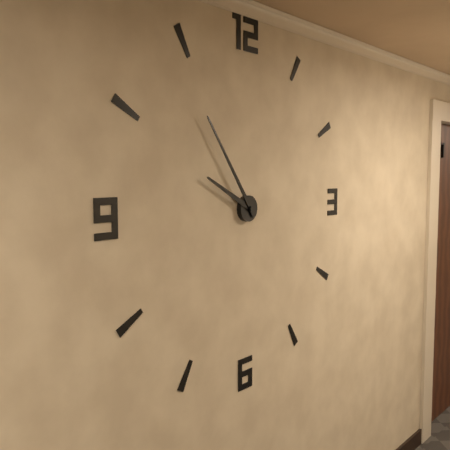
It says 9.54
